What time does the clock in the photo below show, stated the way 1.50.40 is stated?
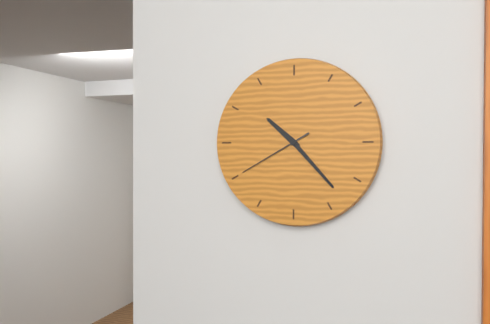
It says 10.23.40
